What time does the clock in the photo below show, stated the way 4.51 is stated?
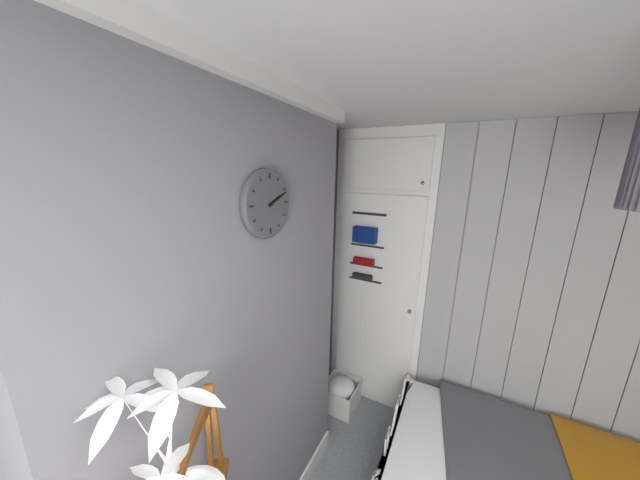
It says 2.11
